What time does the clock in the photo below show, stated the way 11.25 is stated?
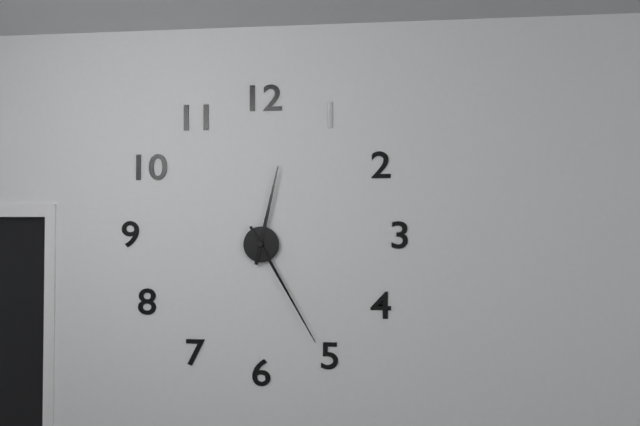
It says 12.25
